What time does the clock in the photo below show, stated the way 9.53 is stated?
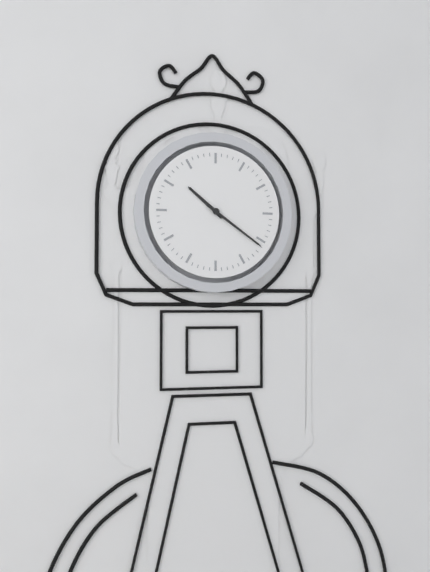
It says 10.21
